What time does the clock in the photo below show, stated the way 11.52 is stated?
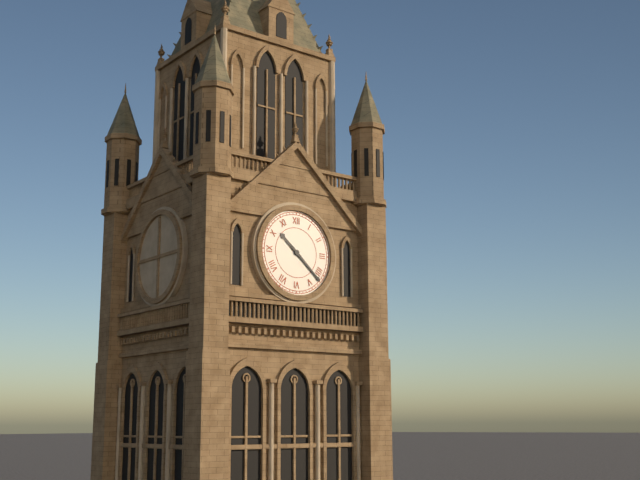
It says 10.22
